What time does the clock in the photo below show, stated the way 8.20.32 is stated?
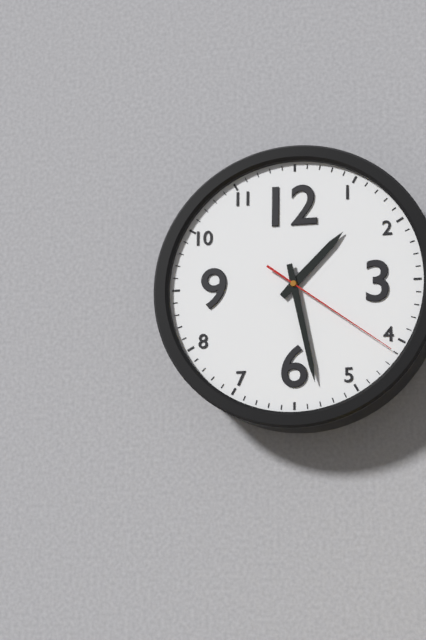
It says 1.28.21
